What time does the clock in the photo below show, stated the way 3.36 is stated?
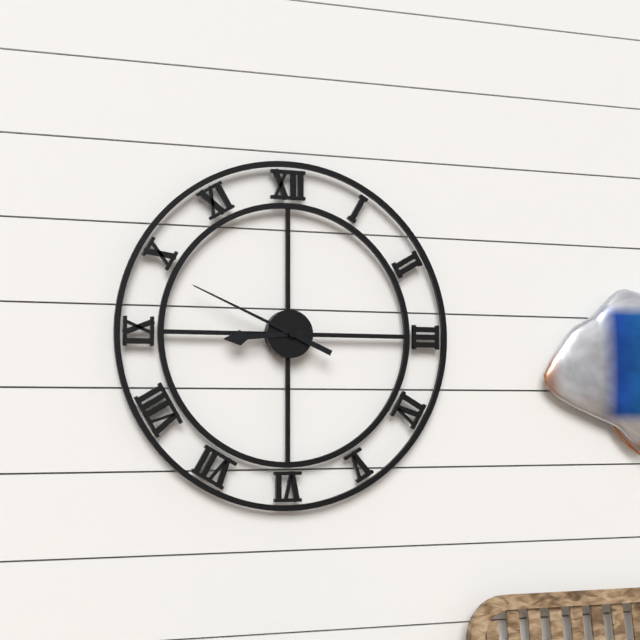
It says 8.49
